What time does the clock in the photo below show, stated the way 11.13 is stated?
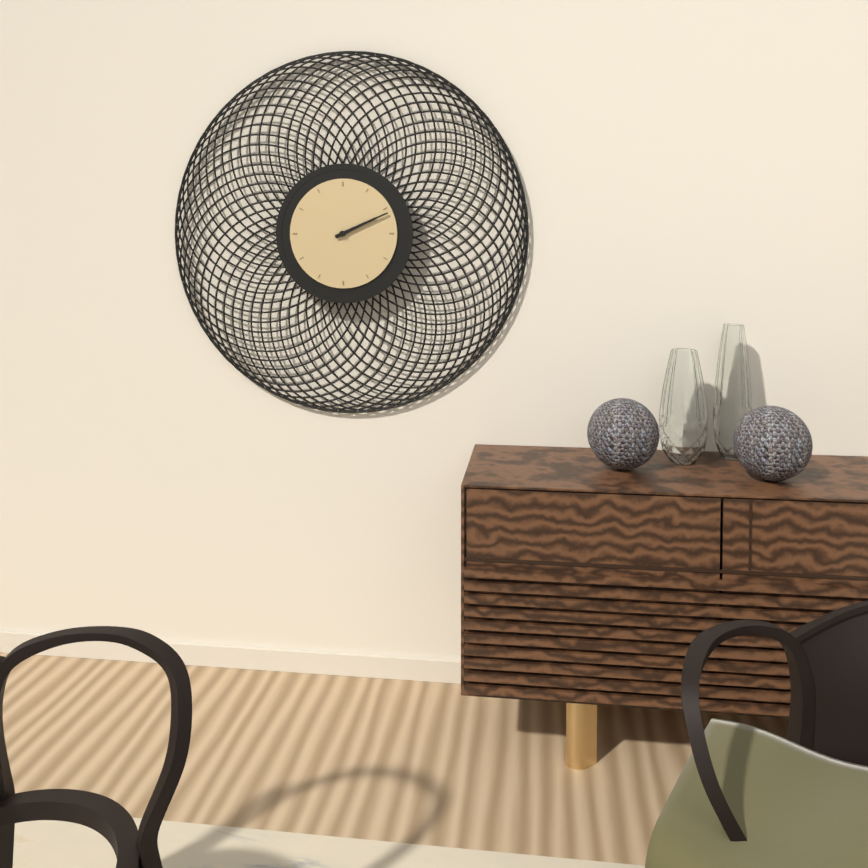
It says 2.11
